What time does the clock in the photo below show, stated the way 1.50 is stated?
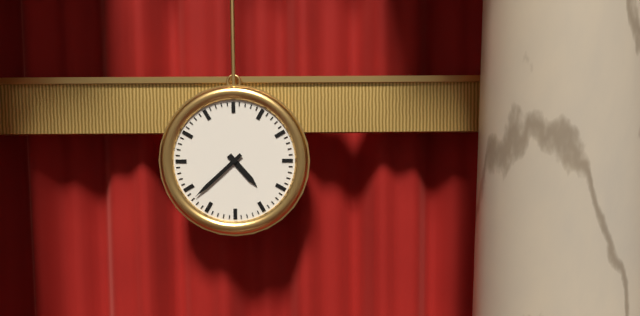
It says 4.38
